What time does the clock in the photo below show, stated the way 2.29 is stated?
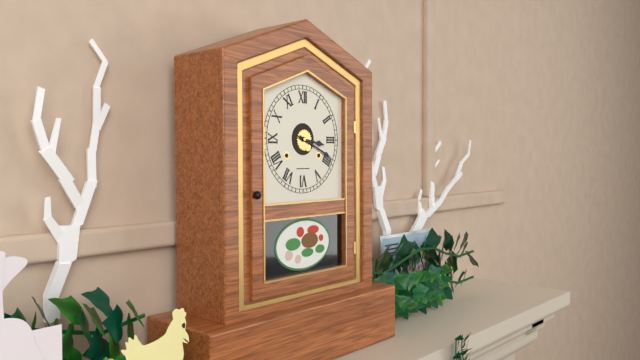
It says 3.19
